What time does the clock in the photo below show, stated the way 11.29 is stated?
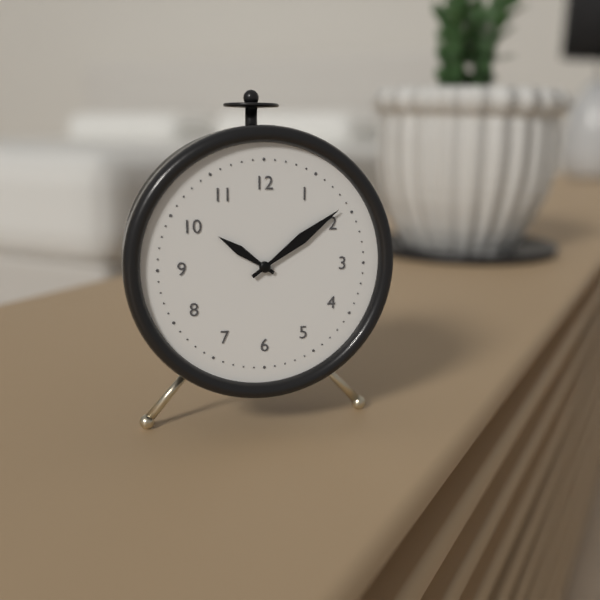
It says 10.09
